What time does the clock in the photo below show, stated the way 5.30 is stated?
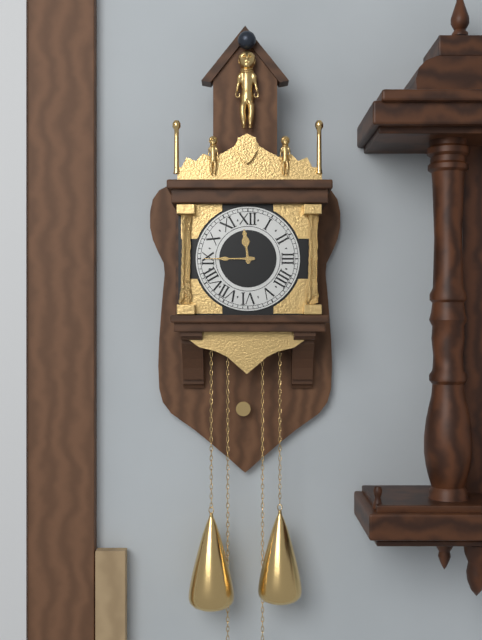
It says 11.45
